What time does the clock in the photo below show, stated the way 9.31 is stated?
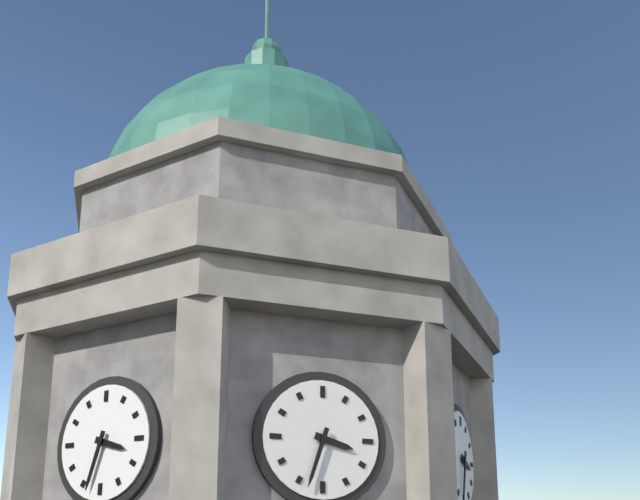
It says 3.33
